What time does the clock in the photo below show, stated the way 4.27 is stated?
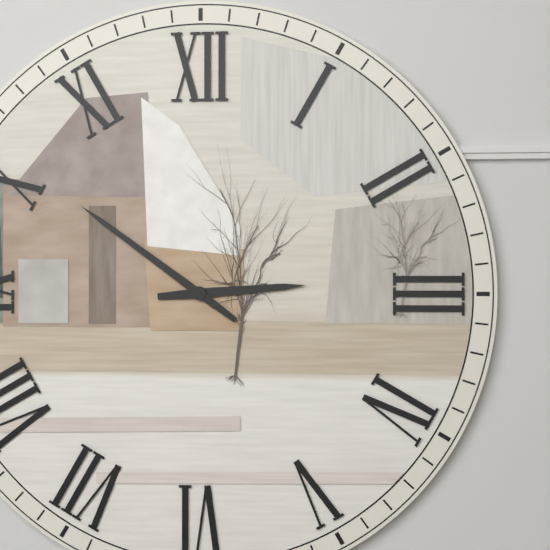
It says 2.51
